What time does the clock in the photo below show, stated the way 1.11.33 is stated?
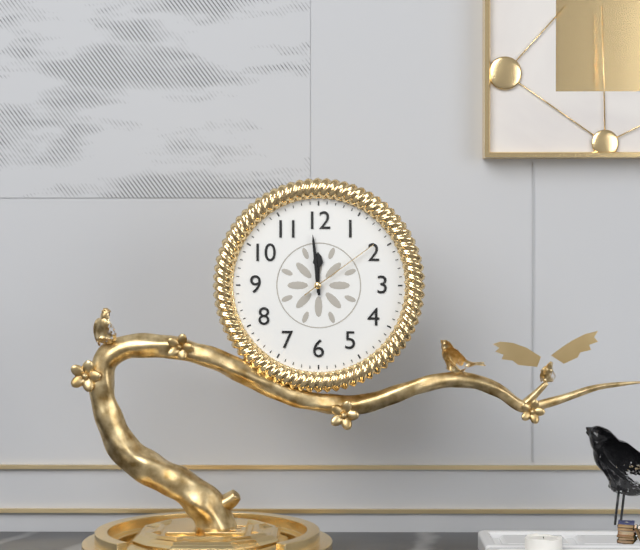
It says 11.59.09
